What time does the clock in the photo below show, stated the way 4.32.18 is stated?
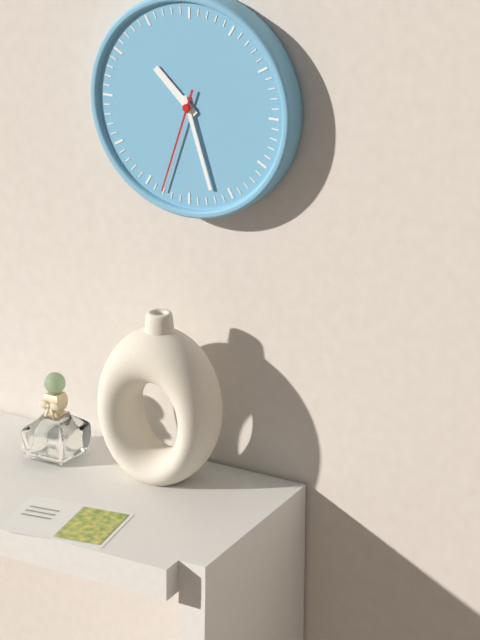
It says 10.27.33
